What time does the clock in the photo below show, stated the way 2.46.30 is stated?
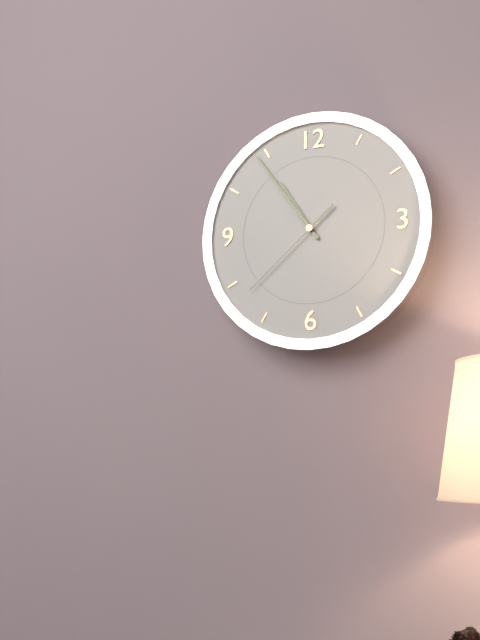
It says 10.54.38
